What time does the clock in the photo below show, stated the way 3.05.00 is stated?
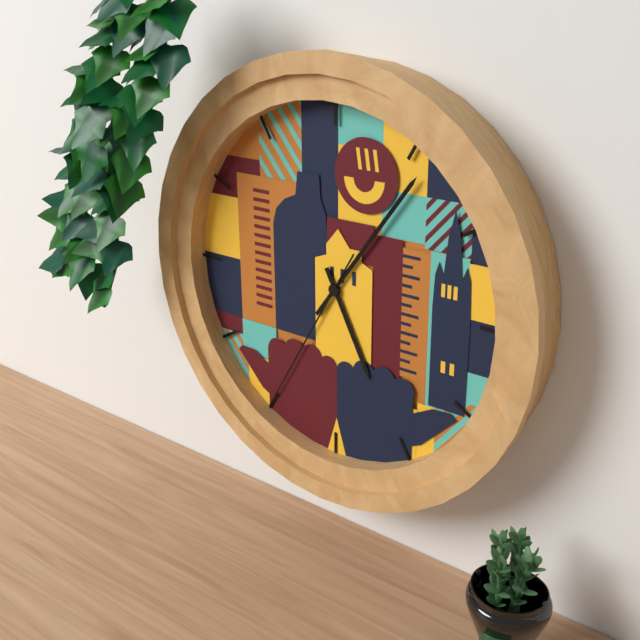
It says 5.06.35
